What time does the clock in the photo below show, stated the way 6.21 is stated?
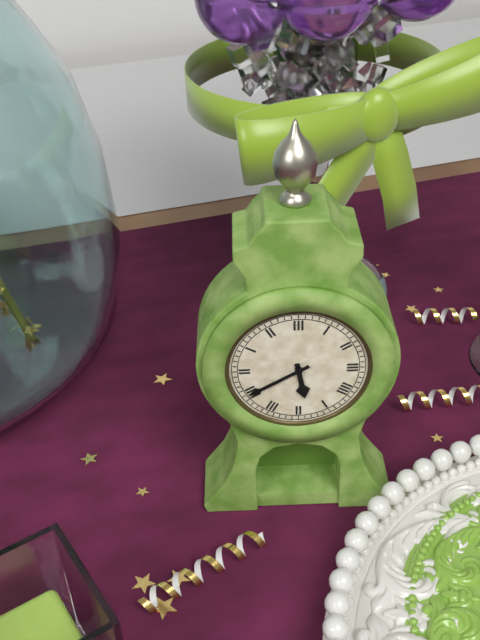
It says 5.40
